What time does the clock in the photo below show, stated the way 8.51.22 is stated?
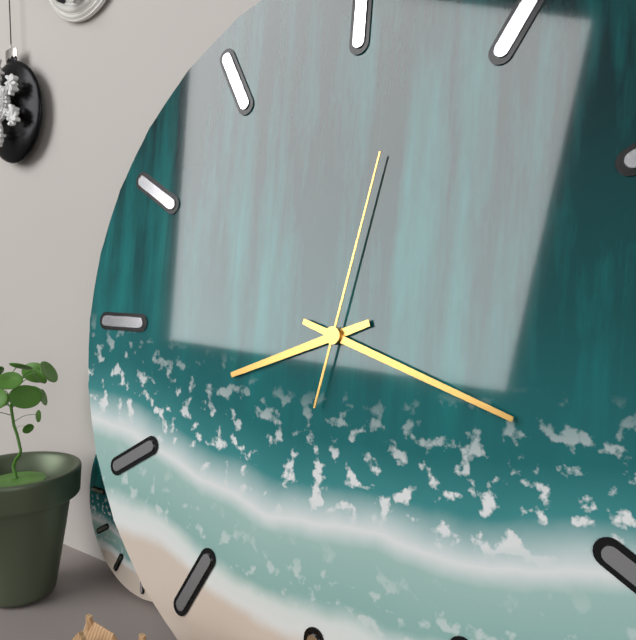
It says 8.18.02
